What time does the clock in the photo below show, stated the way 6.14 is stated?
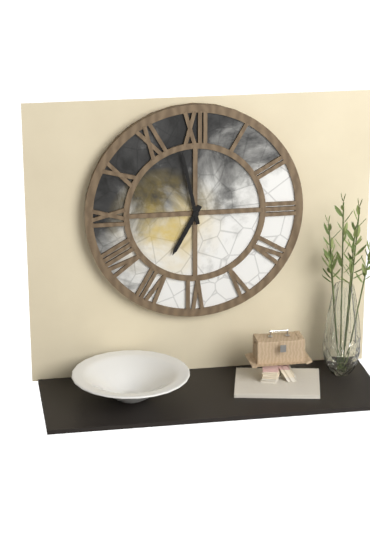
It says 6.58
